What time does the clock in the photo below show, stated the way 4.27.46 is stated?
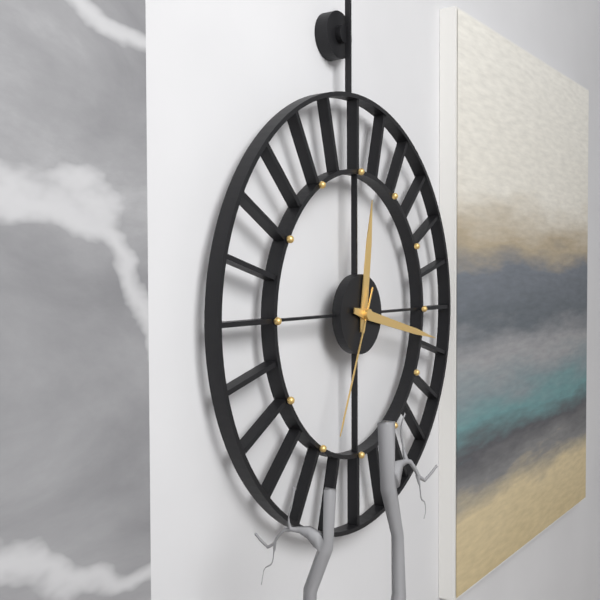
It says 12.17.34
